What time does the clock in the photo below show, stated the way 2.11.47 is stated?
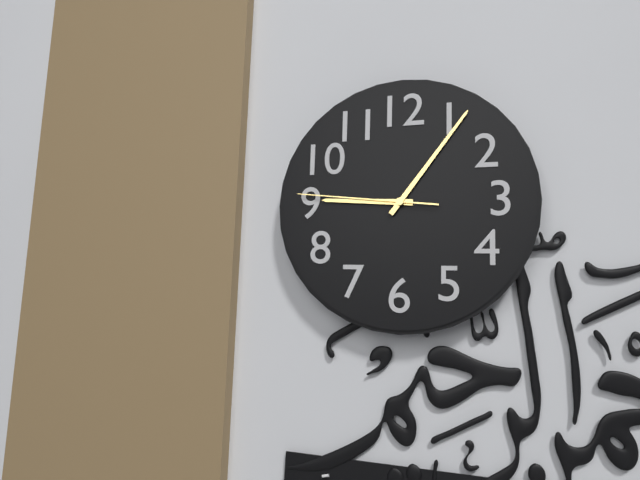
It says 9.06.46
